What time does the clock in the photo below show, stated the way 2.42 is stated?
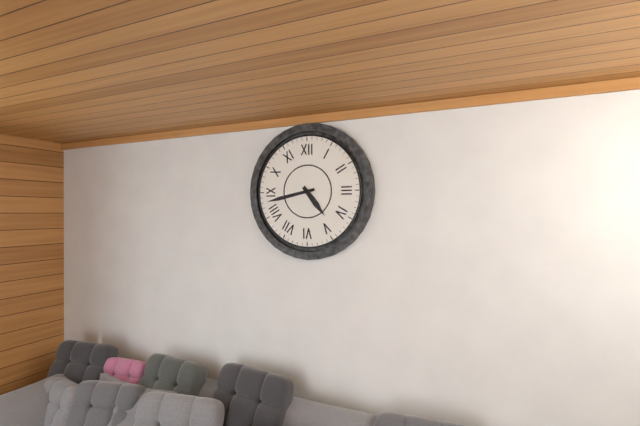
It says 4.43
